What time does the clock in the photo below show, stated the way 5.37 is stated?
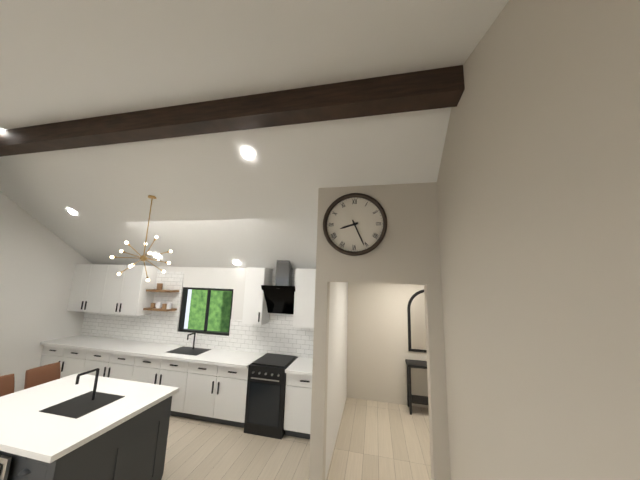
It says 8.26
